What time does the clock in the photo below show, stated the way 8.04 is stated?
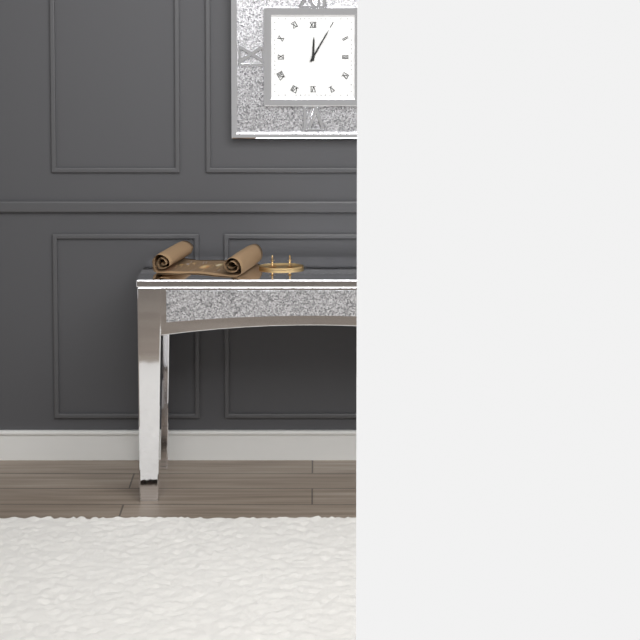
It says 12.05
